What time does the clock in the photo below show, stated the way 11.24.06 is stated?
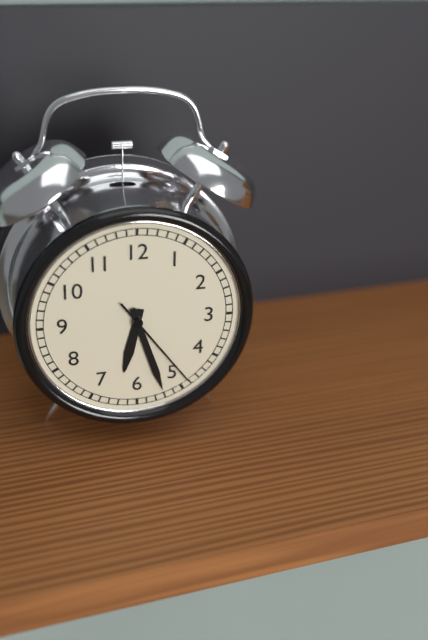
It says 6.27.24
